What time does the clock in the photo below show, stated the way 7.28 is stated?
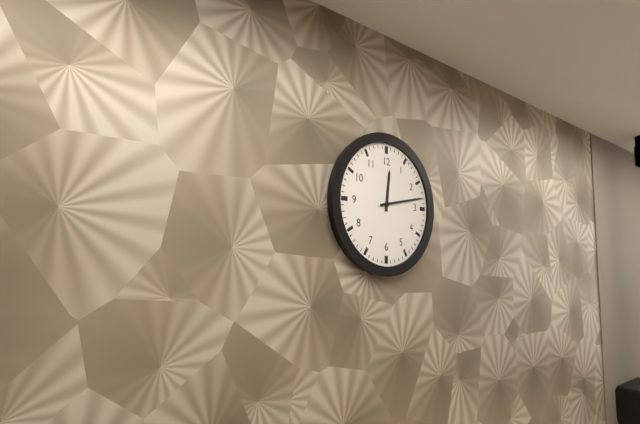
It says 12.13
